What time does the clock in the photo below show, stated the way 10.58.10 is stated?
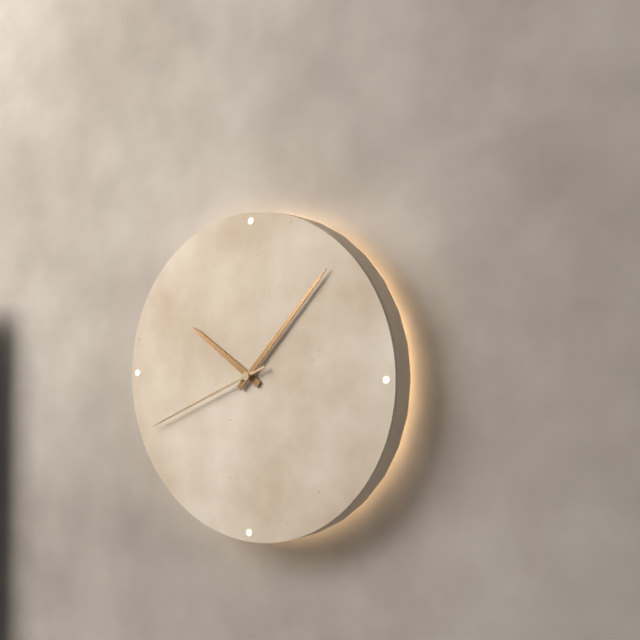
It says 10.07.41
